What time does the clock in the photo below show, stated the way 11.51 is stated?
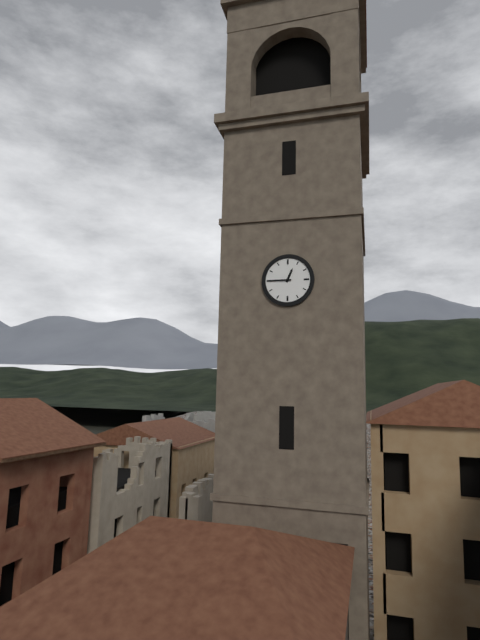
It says 12.45
